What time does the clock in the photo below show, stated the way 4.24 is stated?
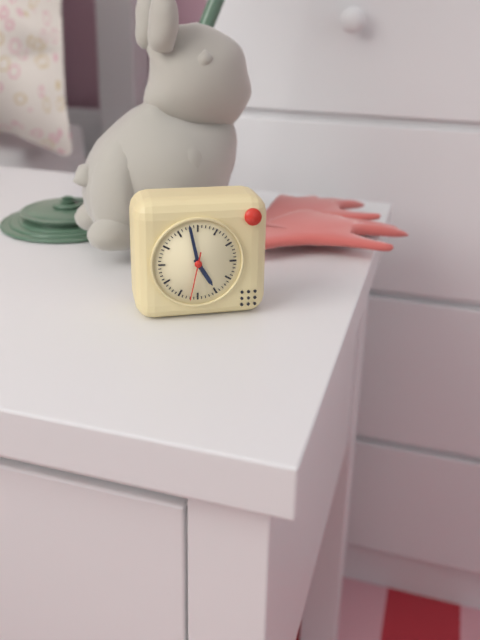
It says 4.58
